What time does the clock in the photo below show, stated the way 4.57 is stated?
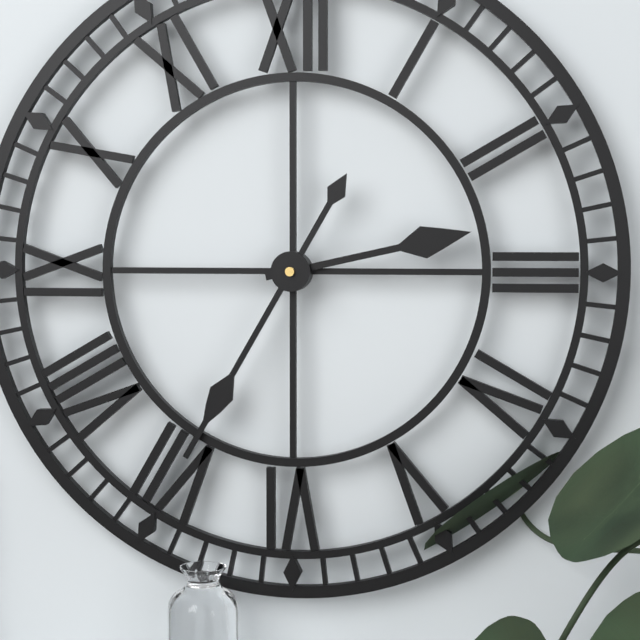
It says 2.35
